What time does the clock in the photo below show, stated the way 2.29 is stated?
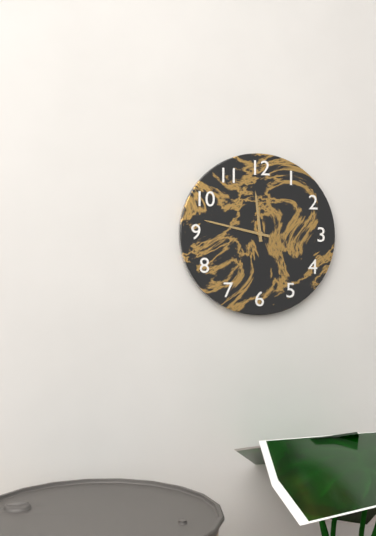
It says 11.47
